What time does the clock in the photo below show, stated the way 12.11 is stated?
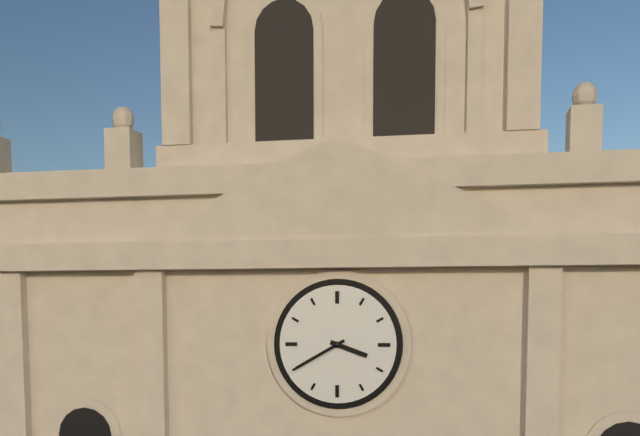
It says 3.40
